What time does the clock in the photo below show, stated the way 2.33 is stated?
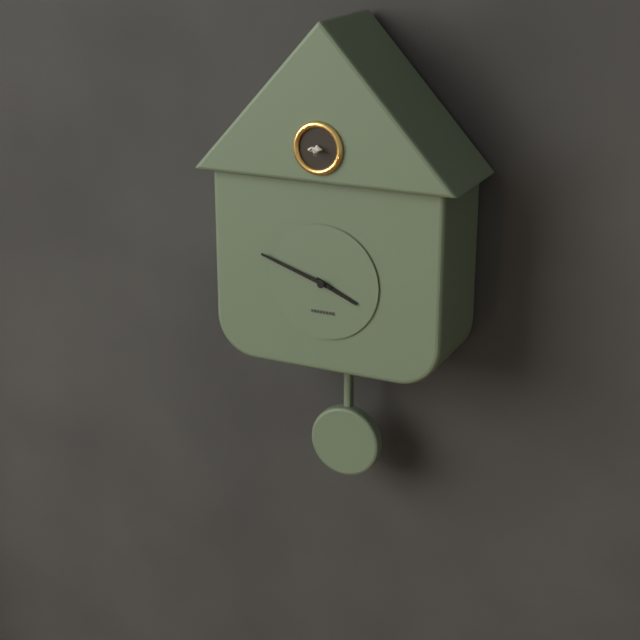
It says 3.48
